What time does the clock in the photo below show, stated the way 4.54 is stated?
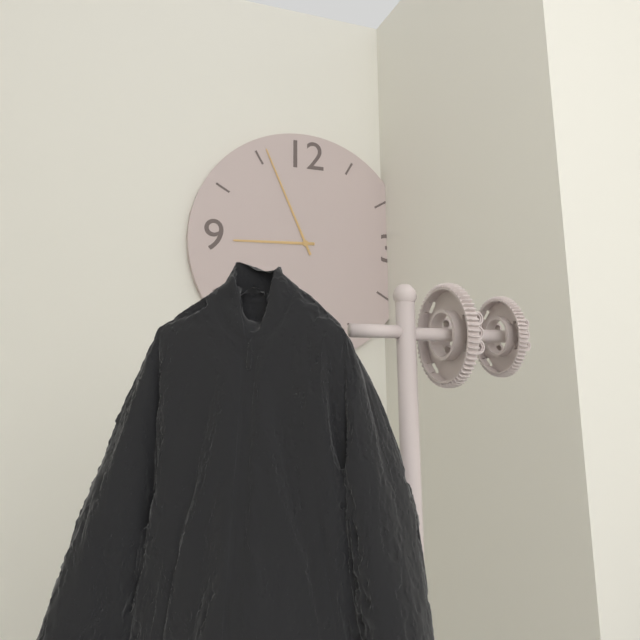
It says 8.56
